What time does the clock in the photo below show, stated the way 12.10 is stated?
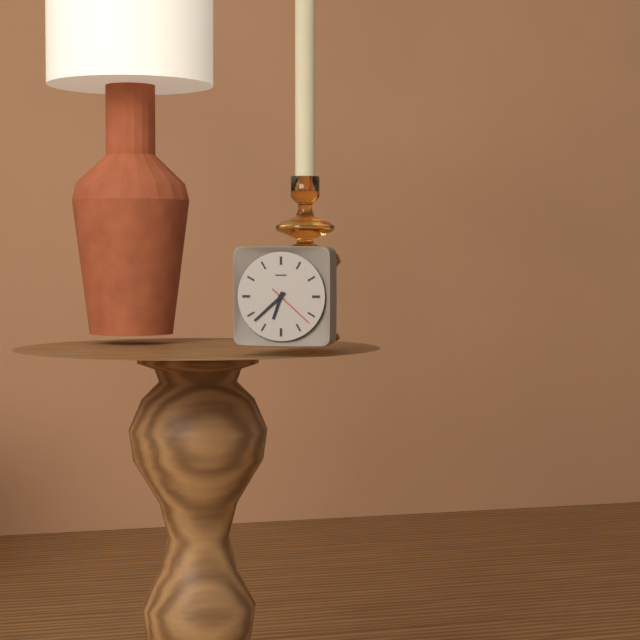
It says 6.38
